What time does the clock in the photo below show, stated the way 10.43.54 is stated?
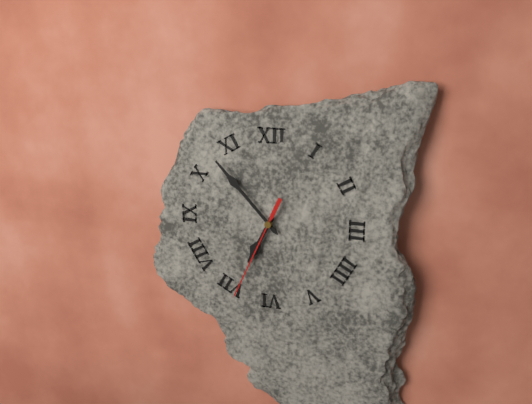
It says 6.53.34
